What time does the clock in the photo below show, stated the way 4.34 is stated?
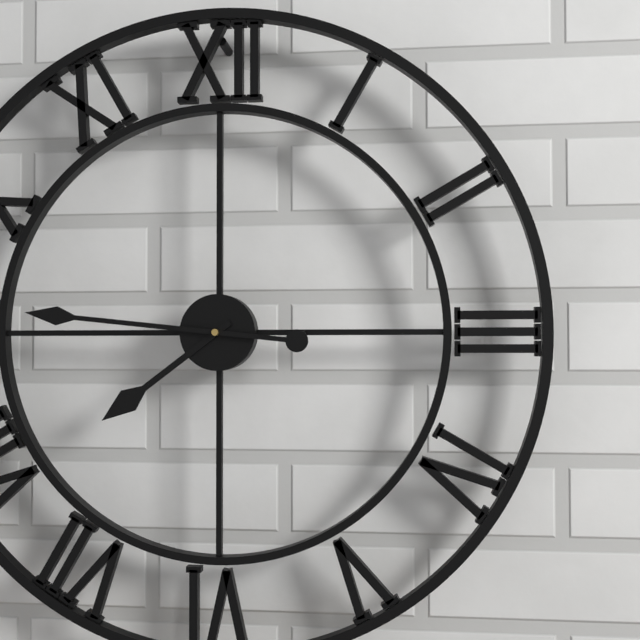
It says 7.46
